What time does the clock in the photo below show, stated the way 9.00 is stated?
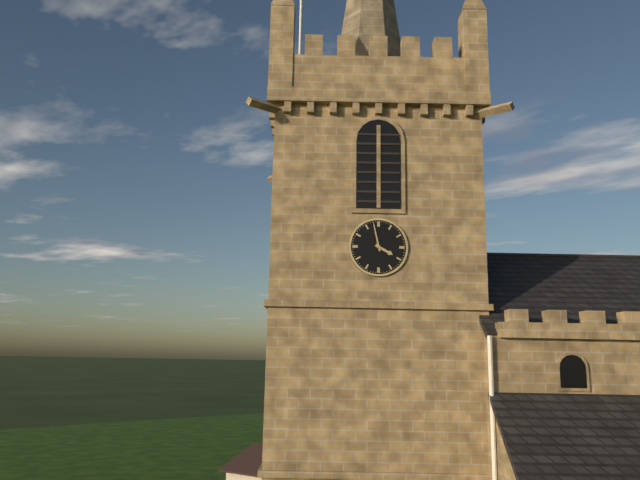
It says 3.58
